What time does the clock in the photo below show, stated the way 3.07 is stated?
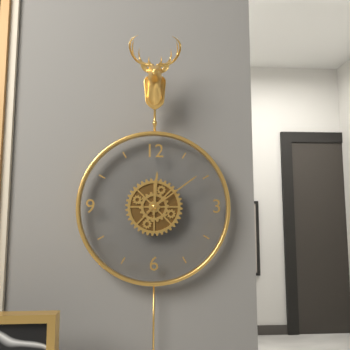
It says 12.09
